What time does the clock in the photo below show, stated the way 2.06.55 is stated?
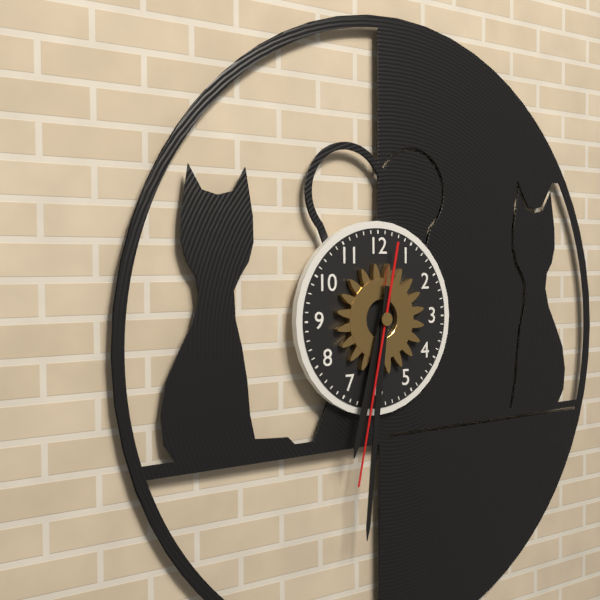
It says 6.31.32
